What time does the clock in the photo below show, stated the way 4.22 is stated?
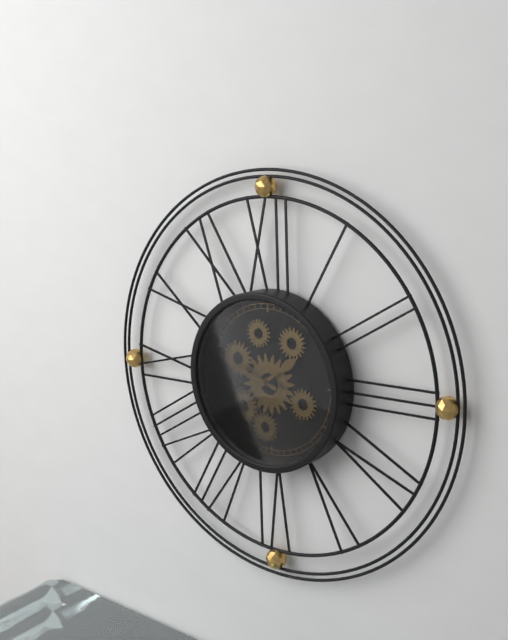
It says 1.48
